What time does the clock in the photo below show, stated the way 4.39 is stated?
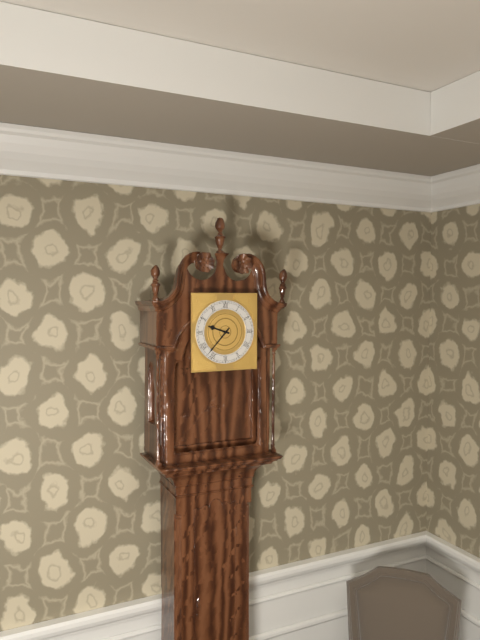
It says 9.37
